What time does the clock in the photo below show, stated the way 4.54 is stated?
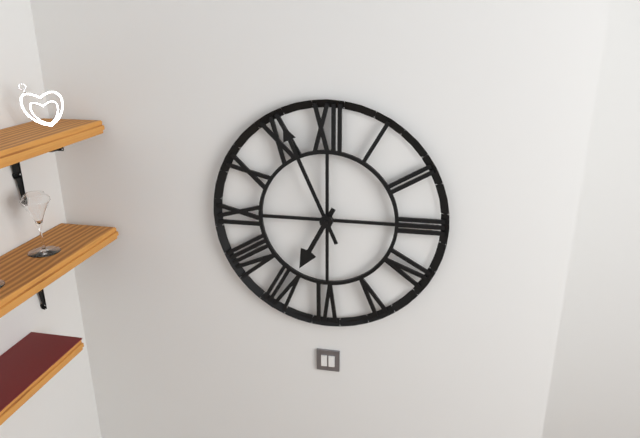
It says 6.56
